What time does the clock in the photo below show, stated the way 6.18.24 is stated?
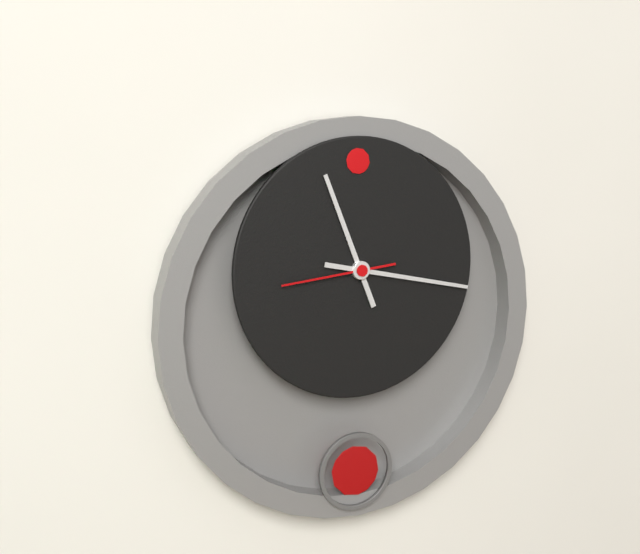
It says 11.17.44
